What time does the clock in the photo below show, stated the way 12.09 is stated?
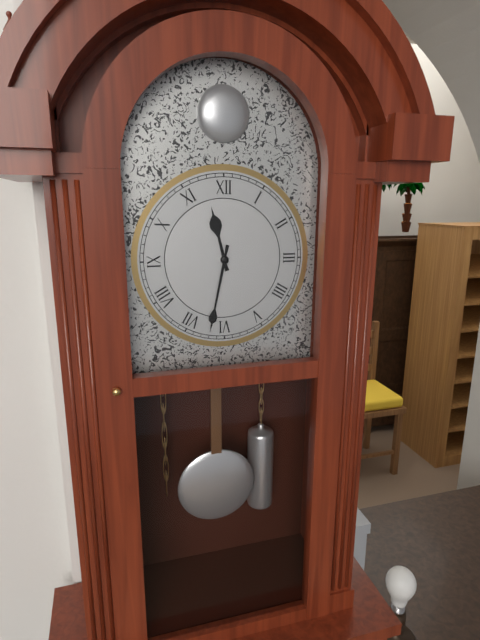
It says 11.32
